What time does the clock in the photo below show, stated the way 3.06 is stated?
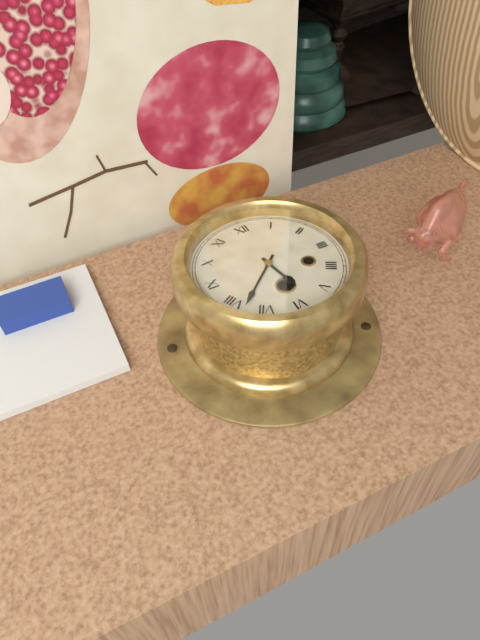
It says 5.38
